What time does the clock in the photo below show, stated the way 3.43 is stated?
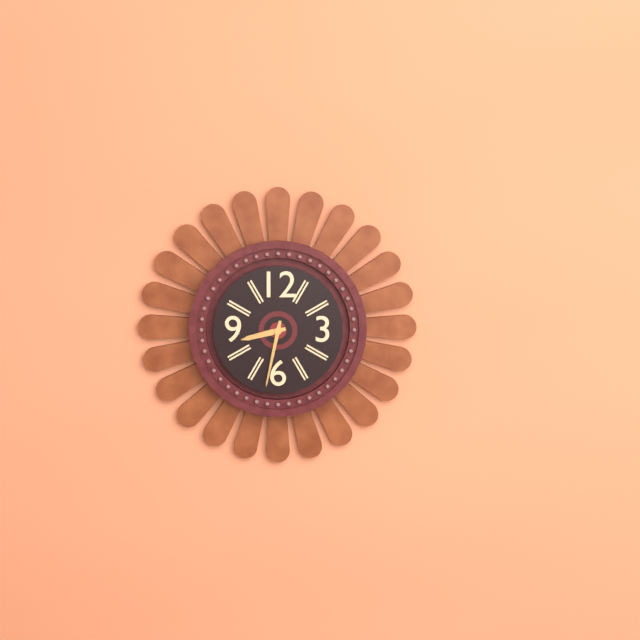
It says 8.32
